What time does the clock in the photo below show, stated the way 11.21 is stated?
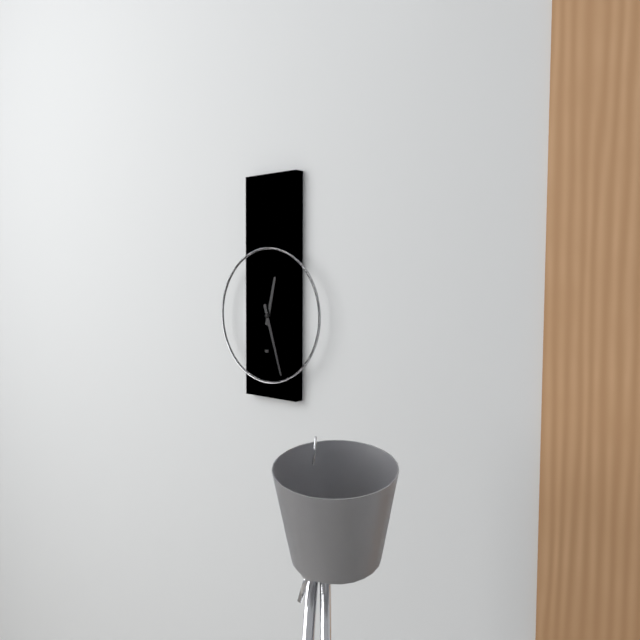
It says 12.27
